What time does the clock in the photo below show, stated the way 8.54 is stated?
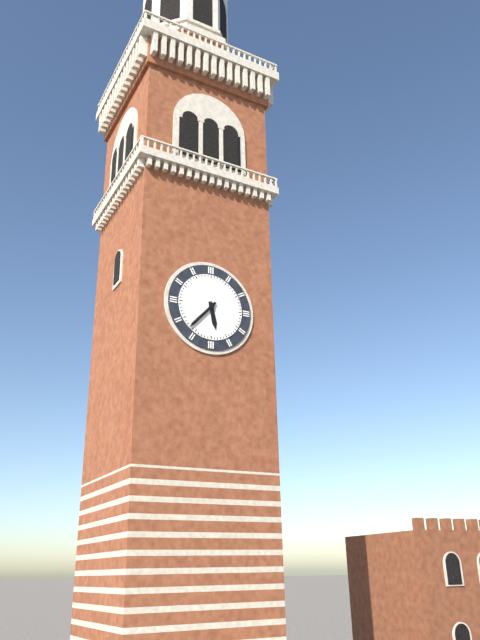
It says 5.37
